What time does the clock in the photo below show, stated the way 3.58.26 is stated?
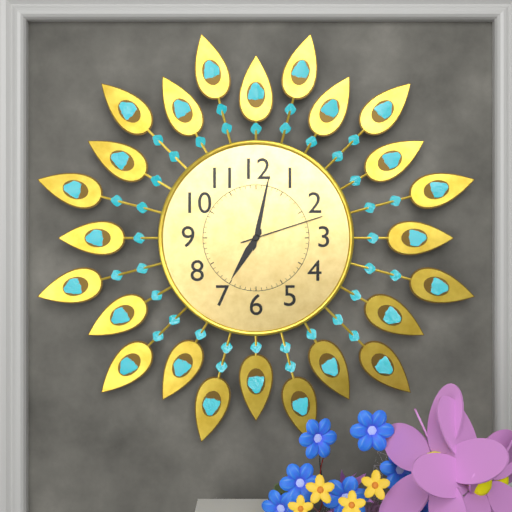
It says 7.02.12
